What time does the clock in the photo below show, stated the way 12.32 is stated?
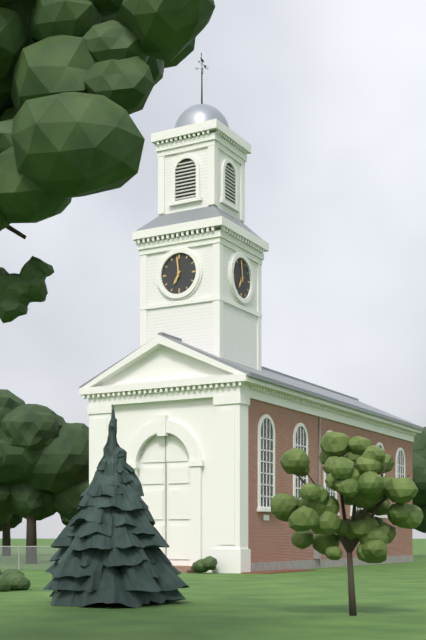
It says 6.59
